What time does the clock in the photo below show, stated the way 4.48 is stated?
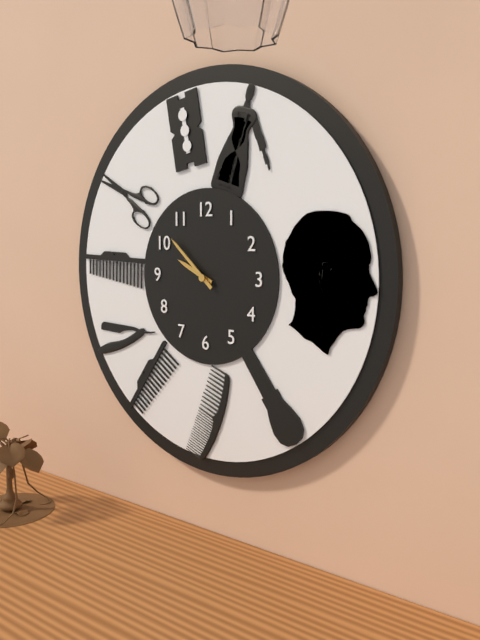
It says 9.52
